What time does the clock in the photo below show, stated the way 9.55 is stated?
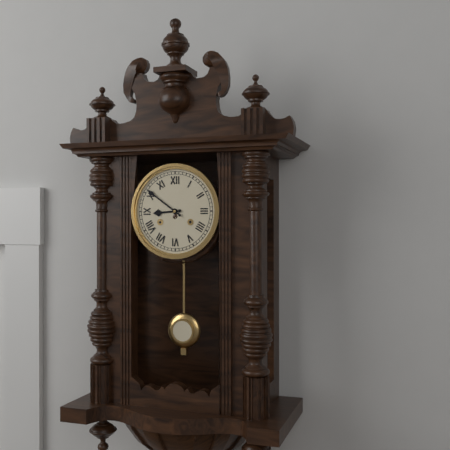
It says 8.51
